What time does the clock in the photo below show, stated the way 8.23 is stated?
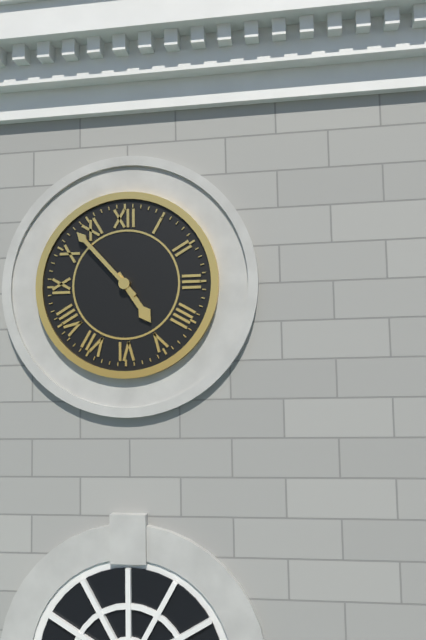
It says 4.53
